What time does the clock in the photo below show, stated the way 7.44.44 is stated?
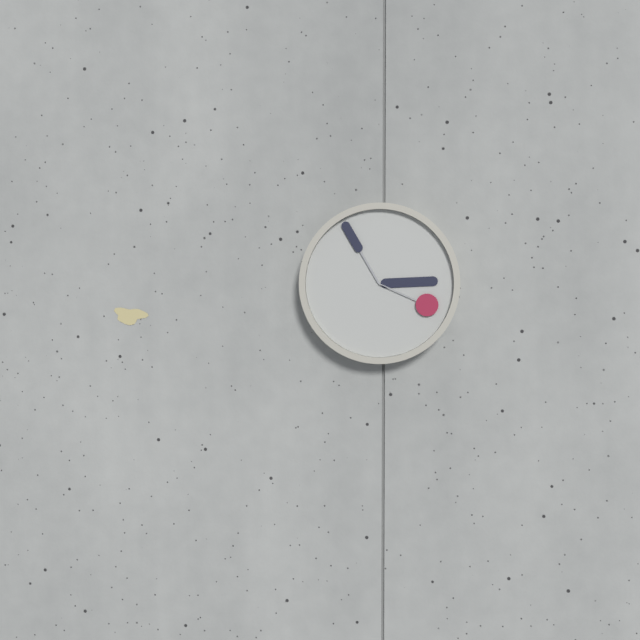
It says 2.55.19
